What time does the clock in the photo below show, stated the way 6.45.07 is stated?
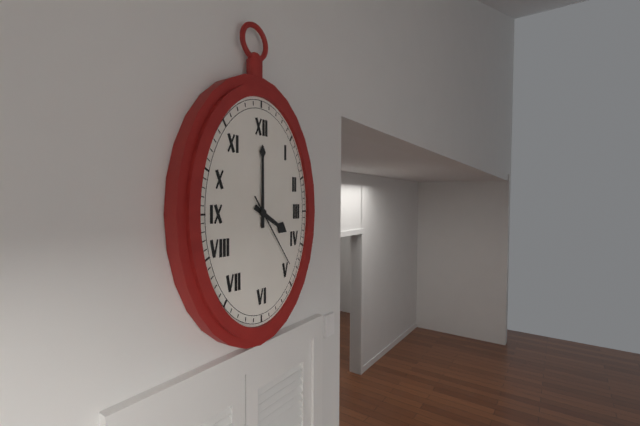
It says 4.00.24
